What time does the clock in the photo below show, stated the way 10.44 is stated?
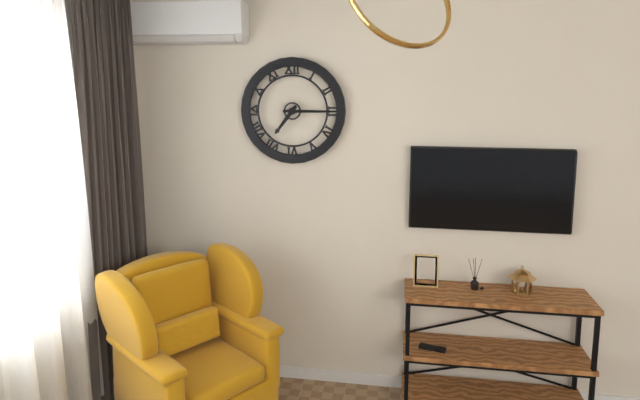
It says 7.15
